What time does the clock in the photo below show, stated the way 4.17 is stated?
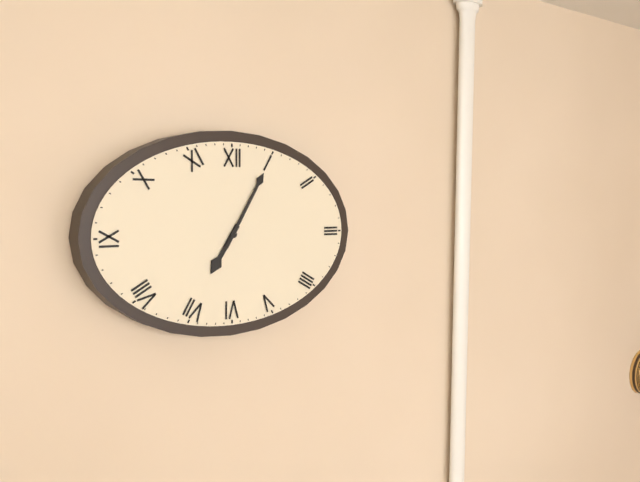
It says 7.05
